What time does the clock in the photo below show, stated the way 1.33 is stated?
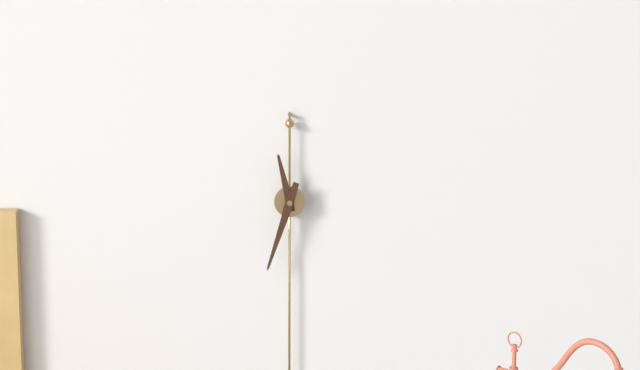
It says 11.33
